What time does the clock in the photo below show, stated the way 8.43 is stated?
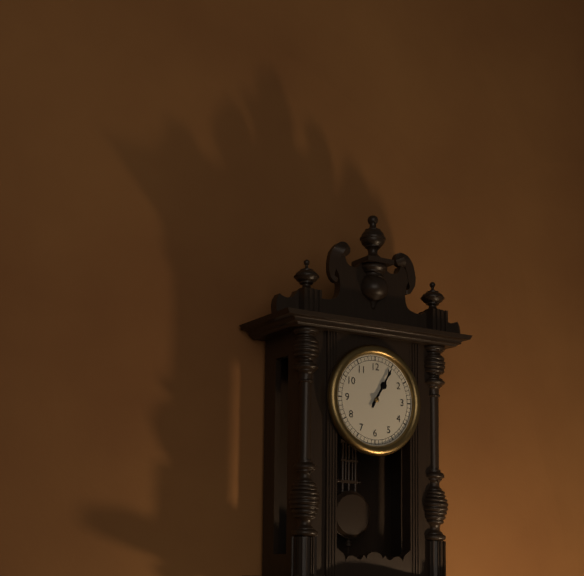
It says 1.05
